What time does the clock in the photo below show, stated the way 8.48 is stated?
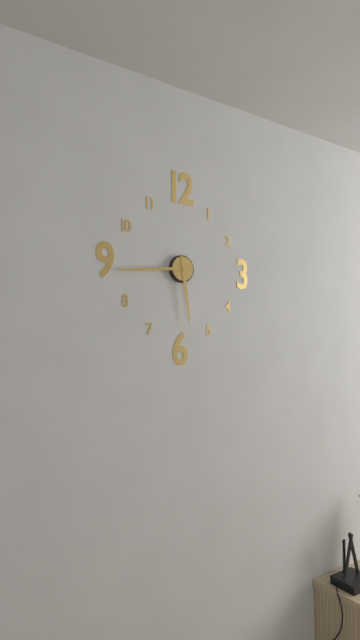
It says 5.44
